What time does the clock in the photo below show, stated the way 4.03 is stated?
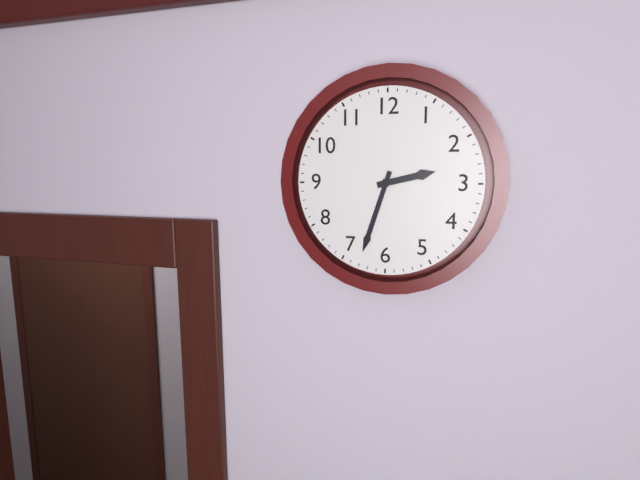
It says 2.33
